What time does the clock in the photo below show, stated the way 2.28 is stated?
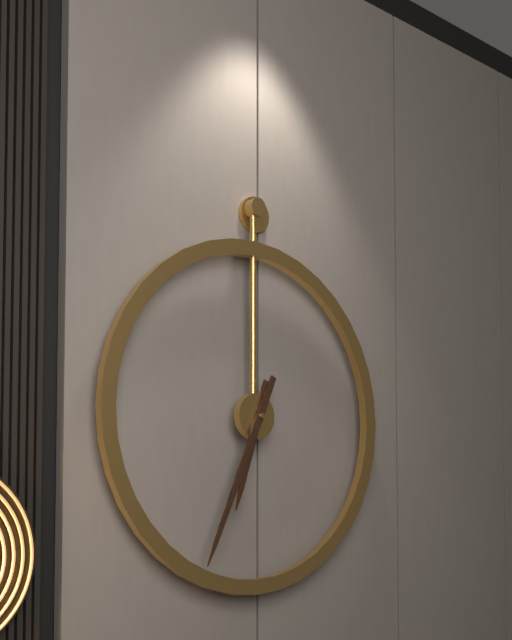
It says 6.34
